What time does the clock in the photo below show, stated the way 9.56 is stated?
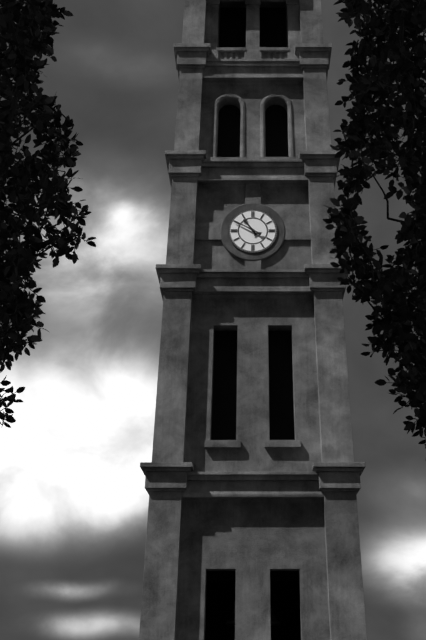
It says 10.50
